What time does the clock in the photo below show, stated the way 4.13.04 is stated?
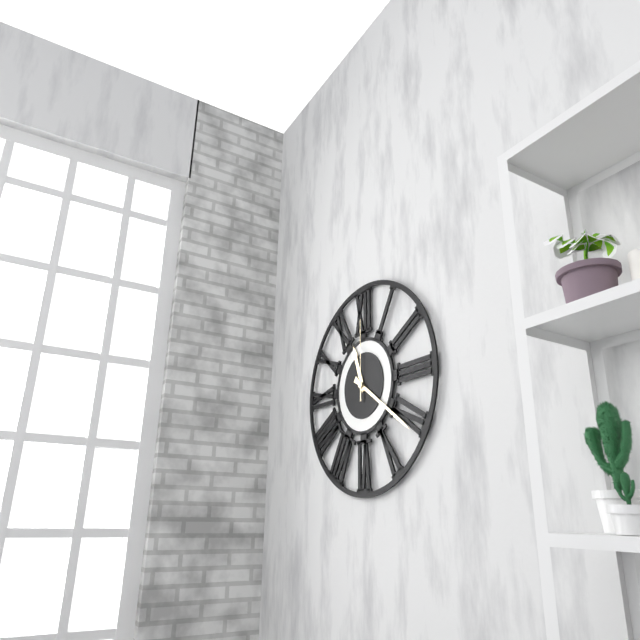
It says 11.21.00
